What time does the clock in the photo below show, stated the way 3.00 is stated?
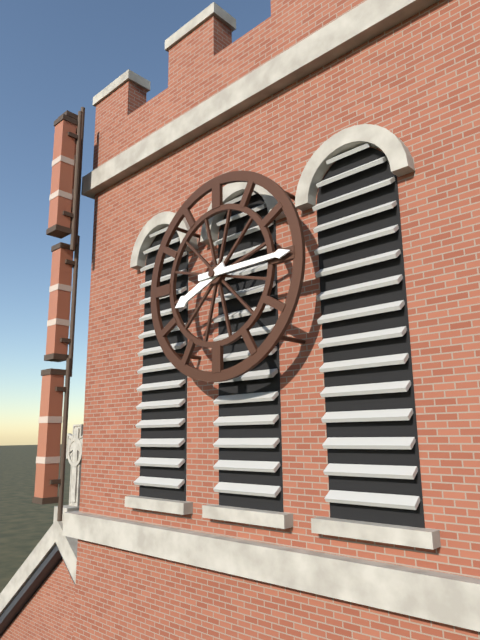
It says 8.15
